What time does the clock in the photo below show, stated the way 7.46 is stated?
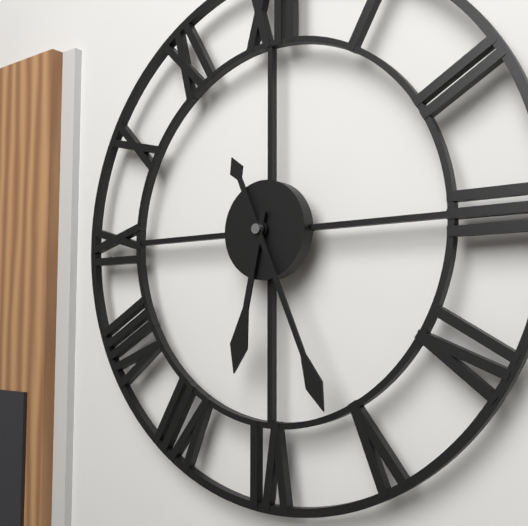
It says 6.26
